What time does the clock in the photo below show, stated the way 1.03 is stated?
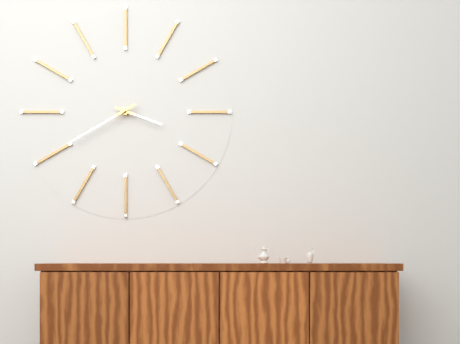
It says 3.40
